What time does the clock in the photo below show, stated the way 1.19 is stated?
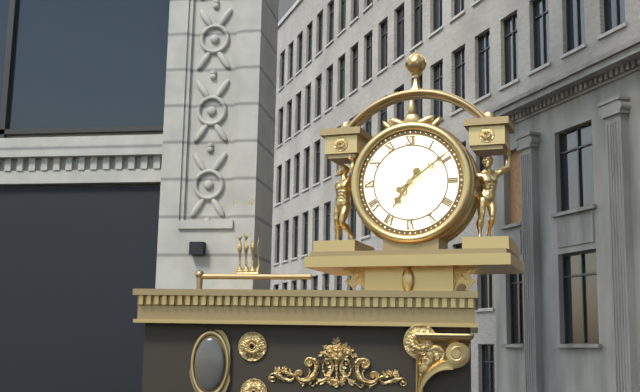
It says 7.09
